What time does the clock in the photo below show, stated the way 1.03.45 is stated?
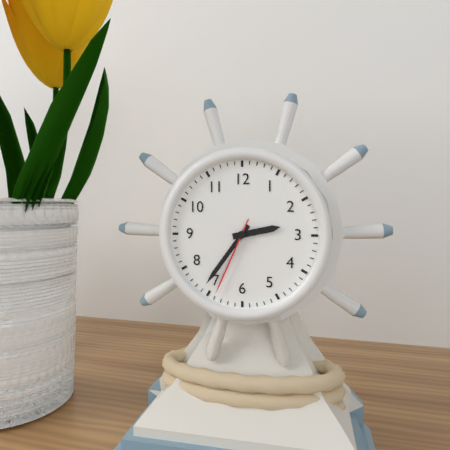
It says 2.36.34
